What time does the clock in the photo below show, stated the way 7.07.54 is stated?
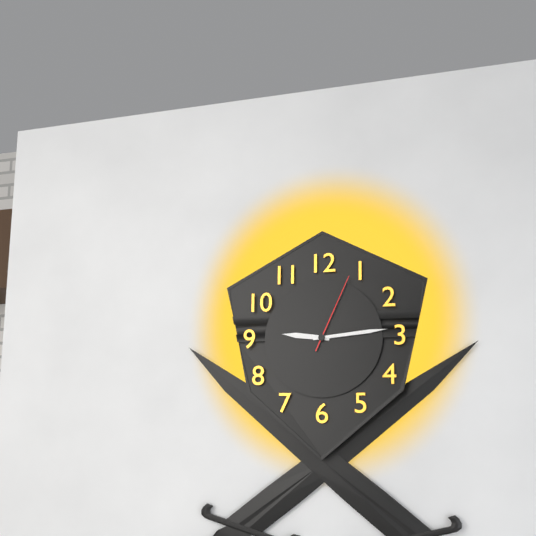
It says 9.14.04
